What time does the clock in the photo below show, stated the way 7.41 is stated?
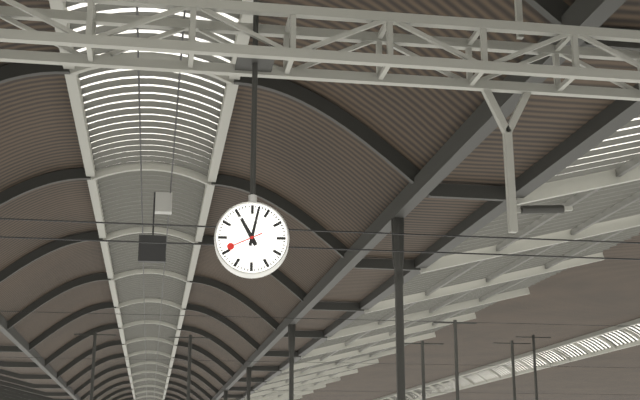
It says 11.02
